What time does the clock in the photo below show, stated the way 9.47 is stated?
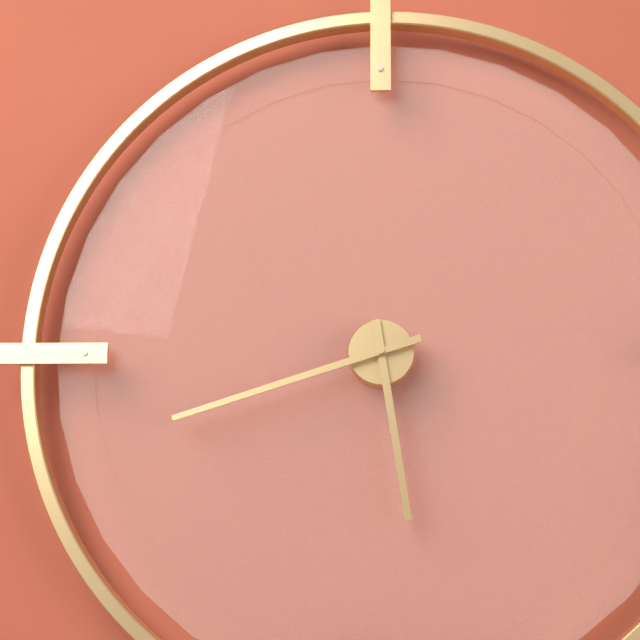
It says 5.42
